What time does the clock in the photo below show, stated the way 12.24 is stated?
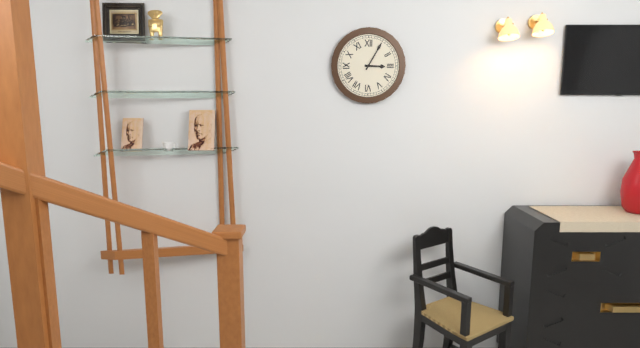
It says 3.05
